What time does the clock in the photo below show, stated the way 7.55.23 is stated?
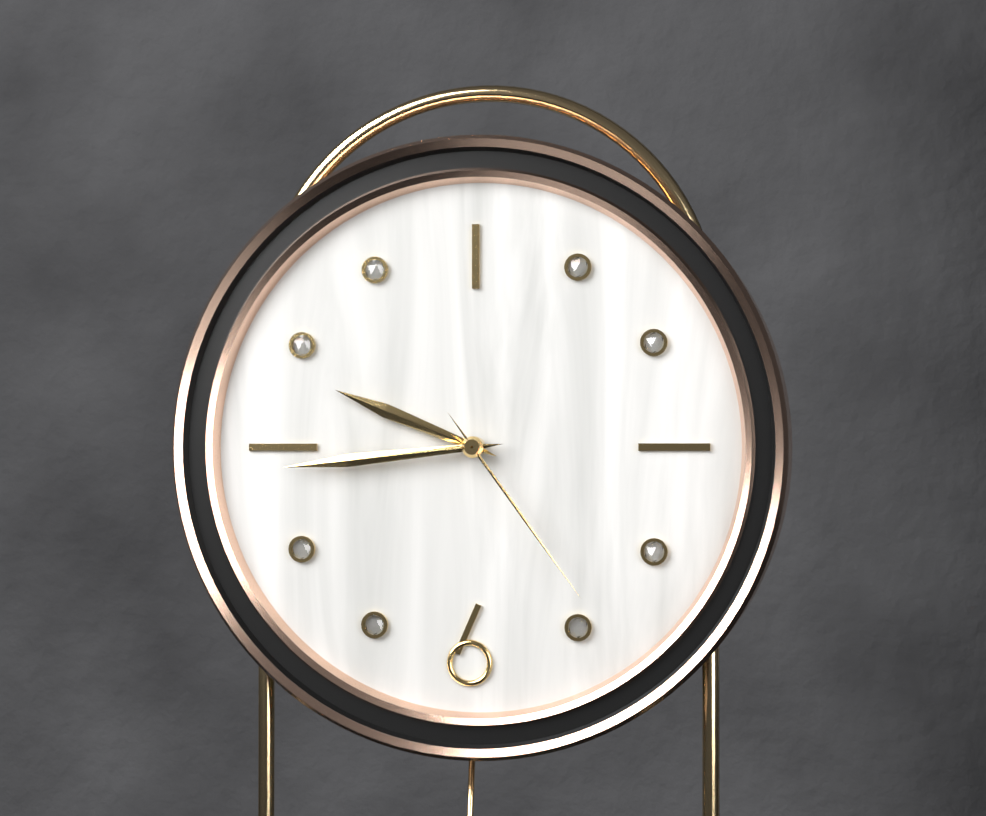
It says 9.44.24
